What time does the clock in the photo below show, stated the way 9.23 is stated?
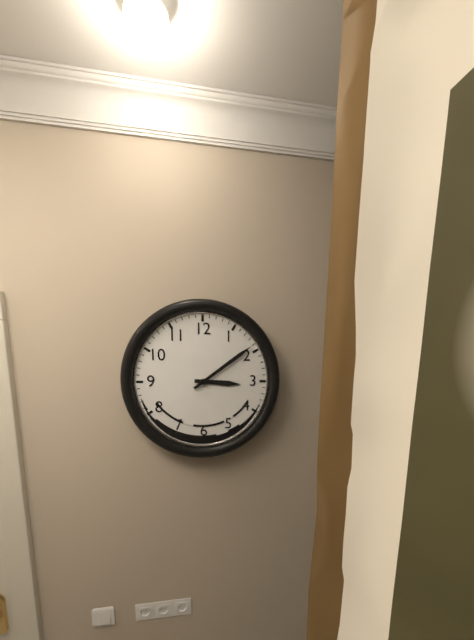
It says 3.09
